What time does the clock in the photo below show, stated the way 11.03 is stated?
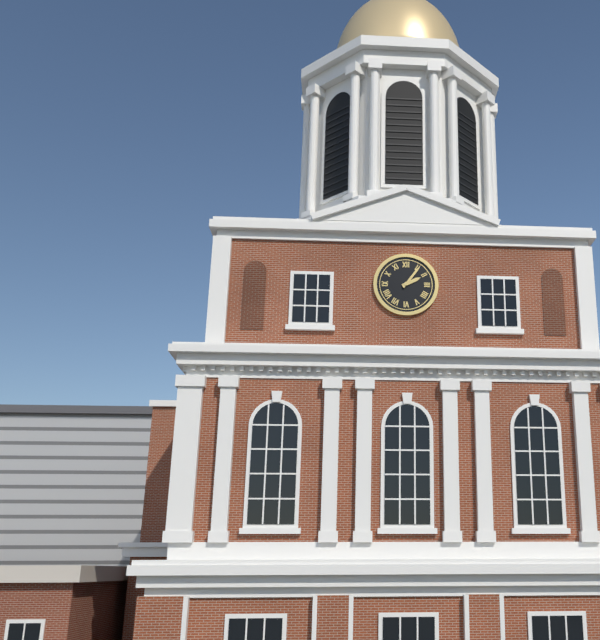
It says 2.06
